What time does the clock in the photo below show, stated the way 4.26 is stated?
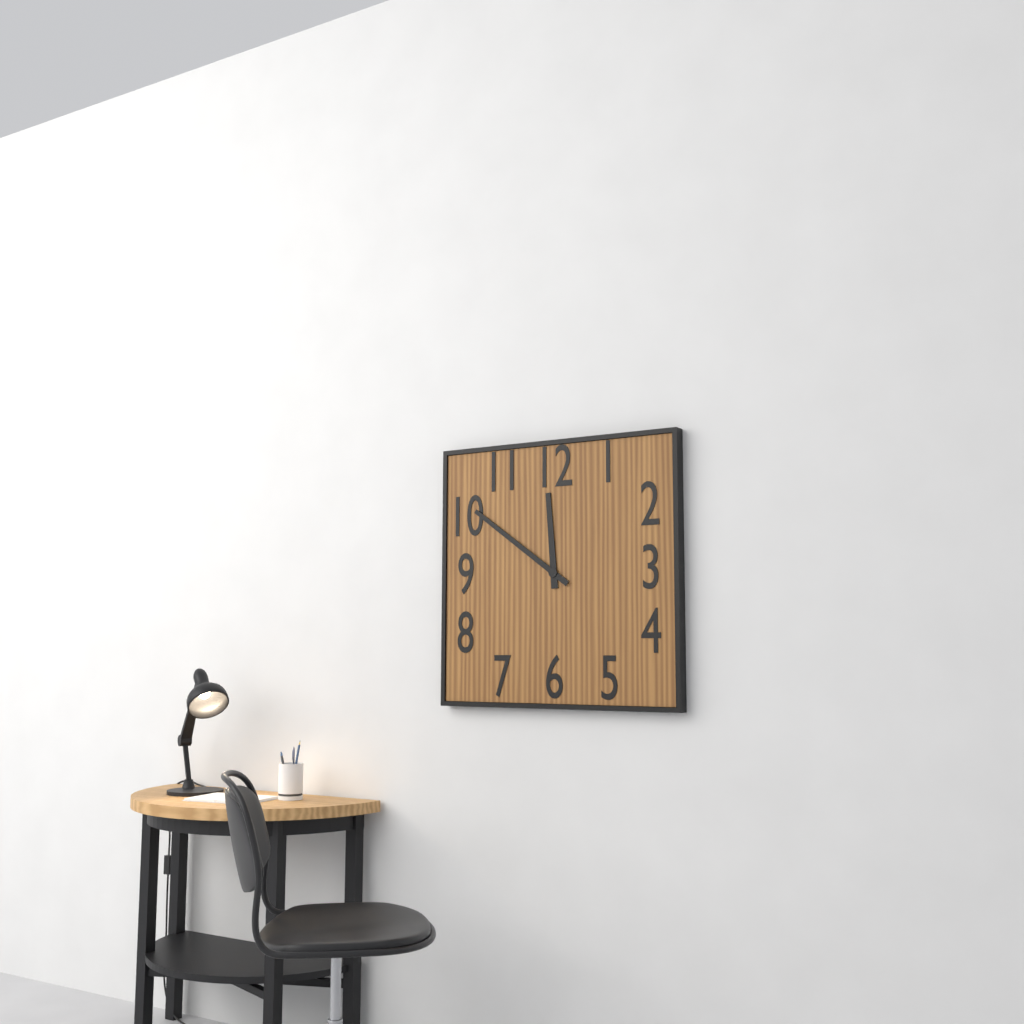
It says 11.51
